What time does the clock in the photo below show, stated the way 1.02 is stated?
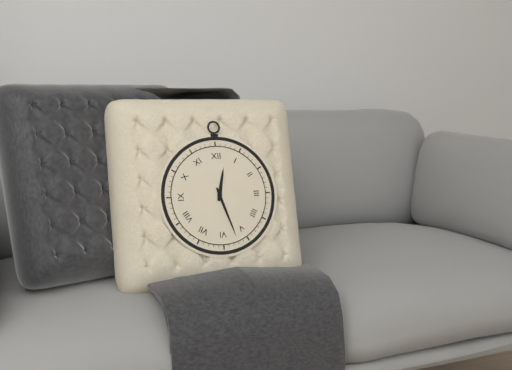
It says 12.27
